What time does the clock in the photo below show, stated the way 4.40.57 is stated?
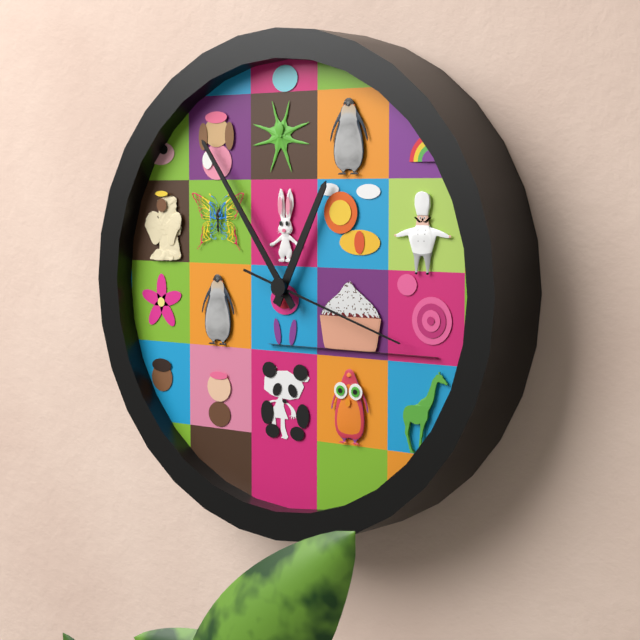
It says 12.54.18
